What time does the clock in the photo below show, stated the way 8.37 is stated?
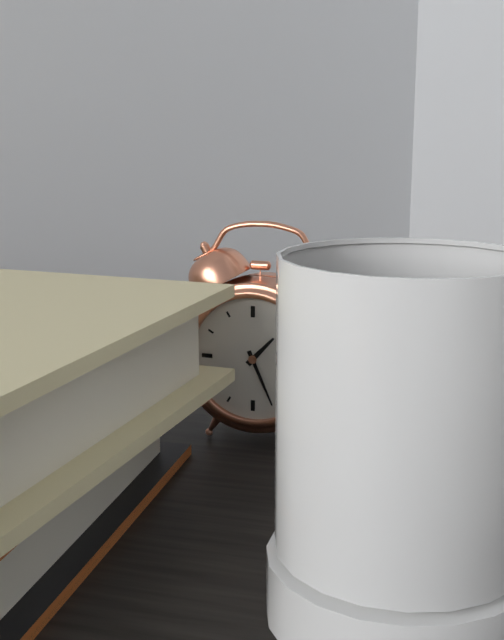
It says 1.26
